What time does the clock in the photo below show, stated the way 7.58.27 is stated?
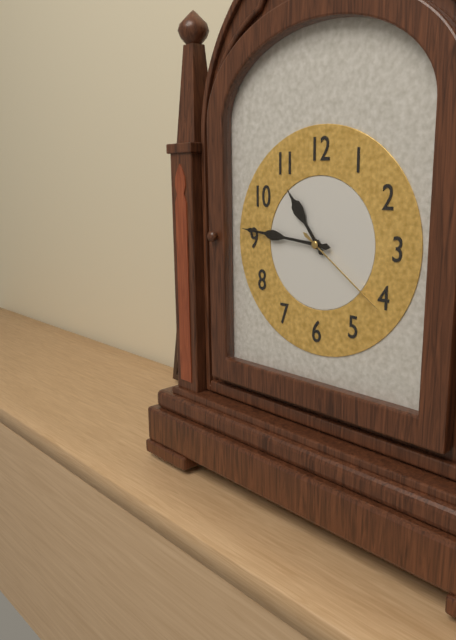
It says 10.46.21
